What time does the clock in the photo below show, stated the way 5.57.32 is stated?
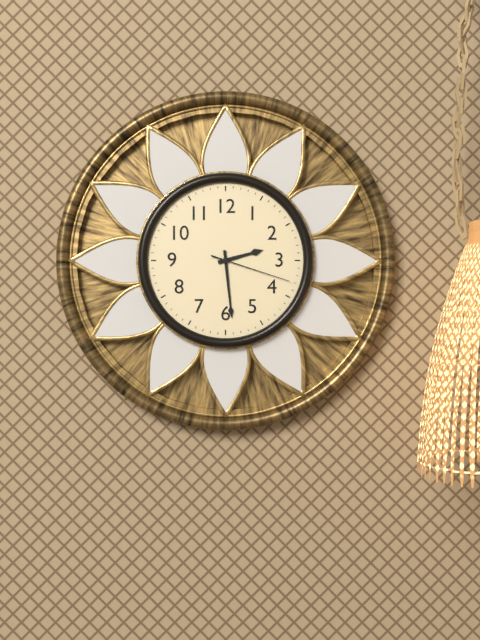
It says 2.29.18
